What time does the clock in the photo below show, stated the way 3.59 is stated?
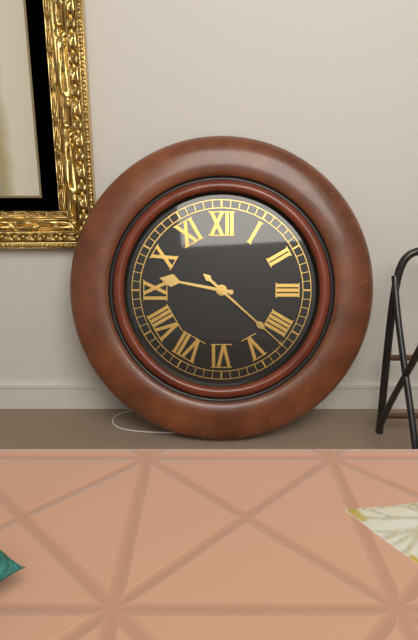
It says 9.22
